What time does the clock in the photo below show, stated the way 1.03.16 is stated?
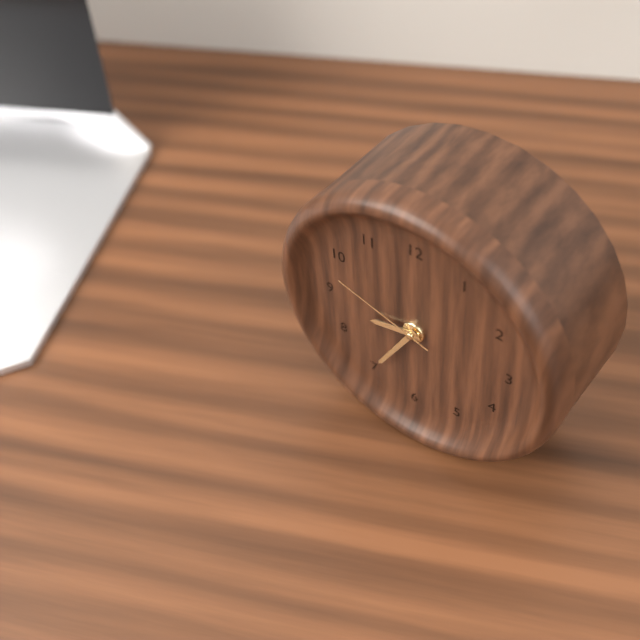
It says 8.35.48
